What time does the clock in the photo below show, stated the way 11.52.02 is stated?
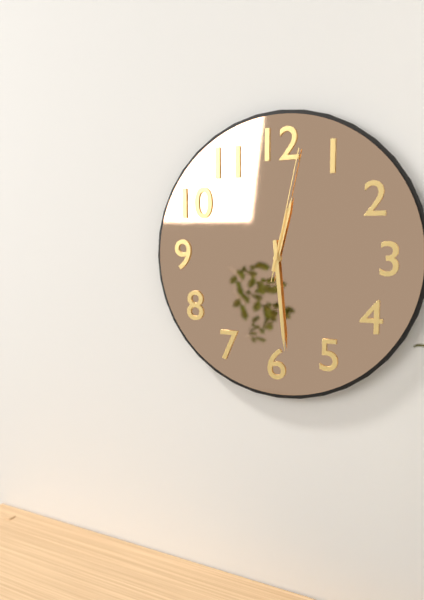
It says 12.29.02
